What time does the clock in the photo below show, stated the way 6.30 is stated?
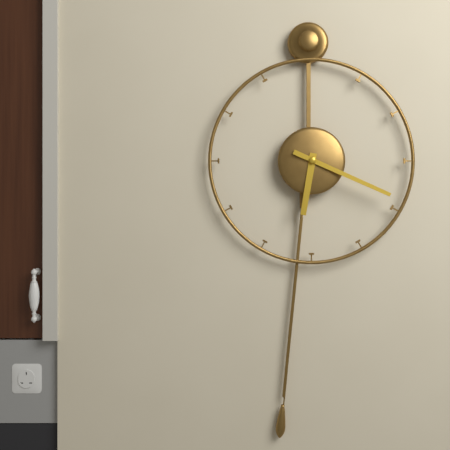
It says 6.19
